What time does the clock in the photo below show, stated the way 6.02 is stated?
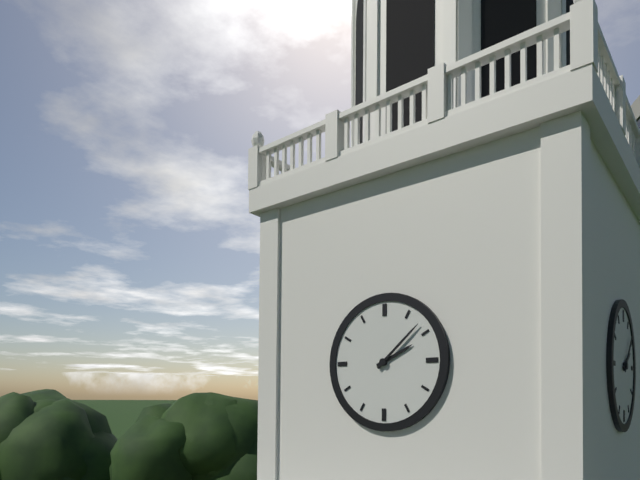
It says 2.08
